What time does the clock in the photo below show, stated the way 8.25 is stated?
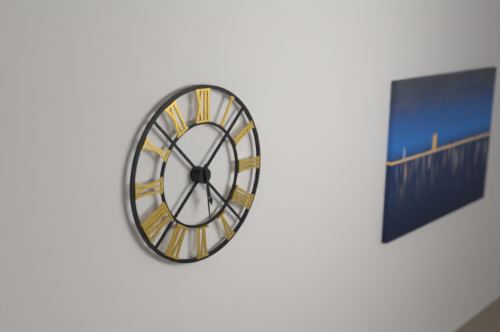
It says 5.29
